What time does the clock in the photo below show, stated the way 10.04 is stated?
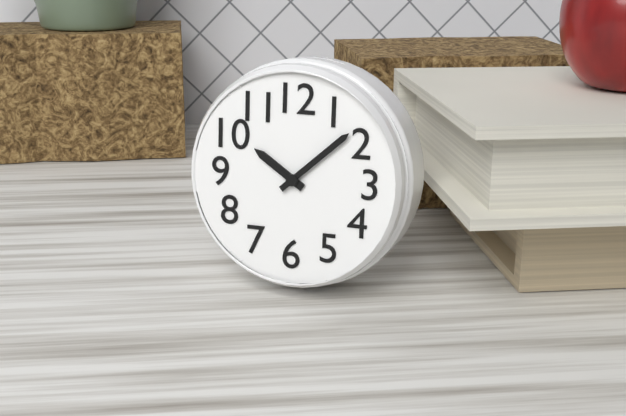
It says 10.08
